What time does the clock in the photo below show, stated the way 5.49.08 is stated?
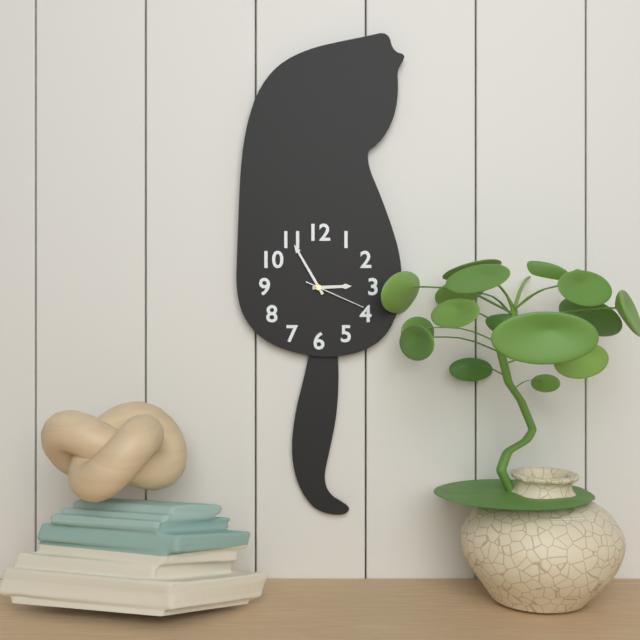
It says 2.55.19
